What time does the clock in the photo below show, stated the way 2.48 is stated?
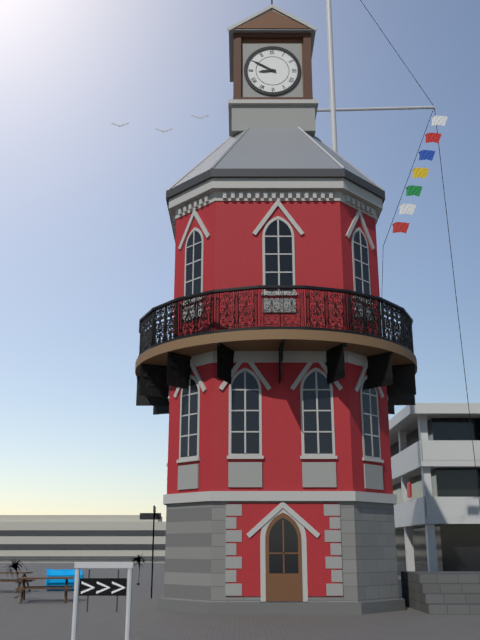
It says 8.50
